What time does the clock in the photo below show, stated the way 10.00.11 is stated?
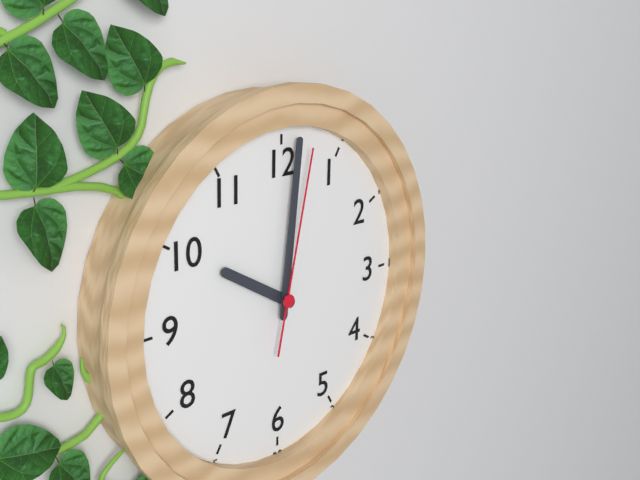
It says 10.01.02
